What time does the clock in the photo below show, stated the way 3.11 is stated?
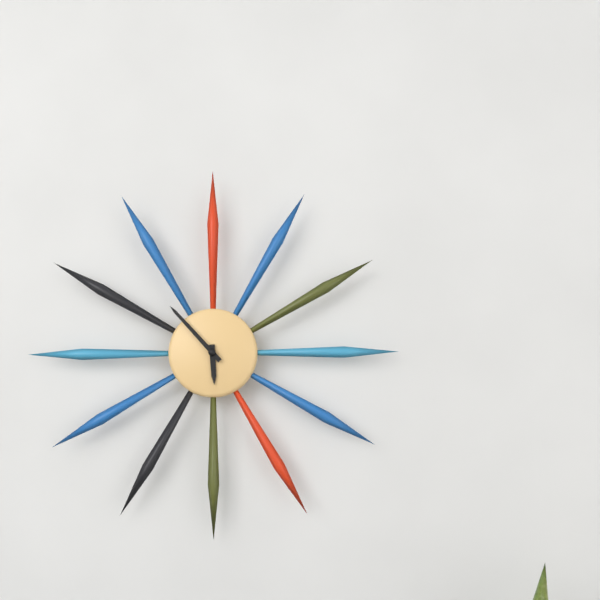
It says 5.53
